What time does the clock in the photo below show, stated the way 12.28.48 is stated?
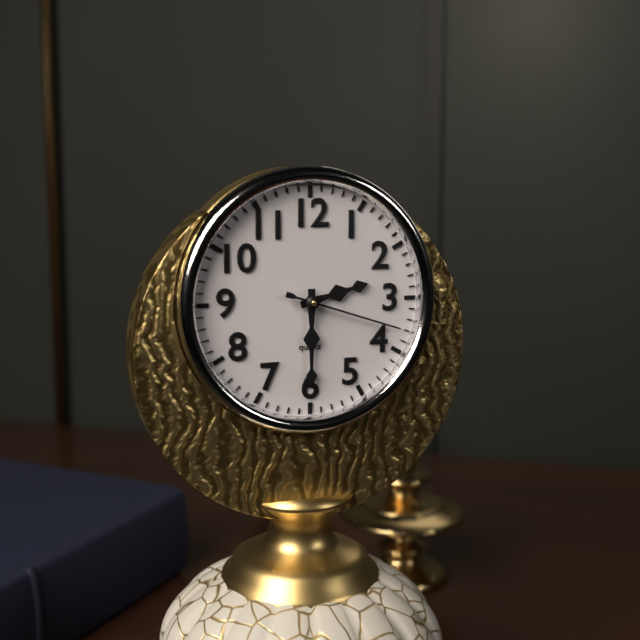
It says 2.30.18
